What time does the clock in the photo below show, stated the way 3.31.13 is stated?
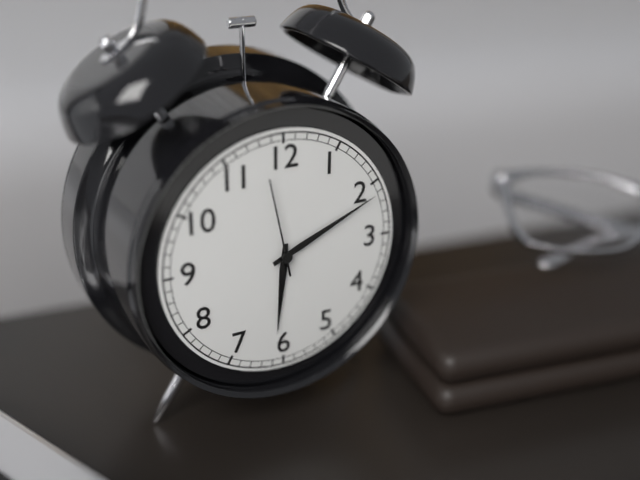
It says 6.11.58
